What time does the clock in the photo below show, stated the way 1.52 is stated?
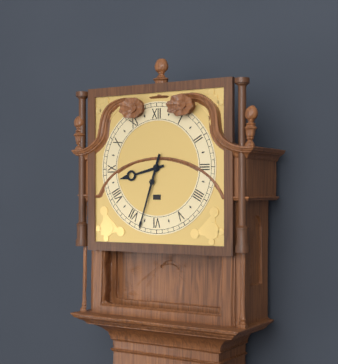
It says 8.33
